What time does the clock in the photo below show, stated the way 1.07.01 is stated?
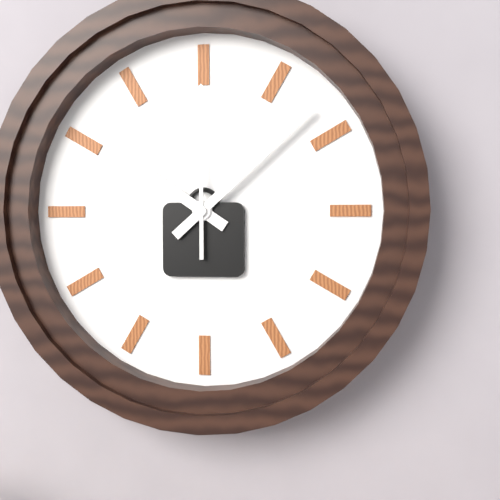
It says 10.08.00
